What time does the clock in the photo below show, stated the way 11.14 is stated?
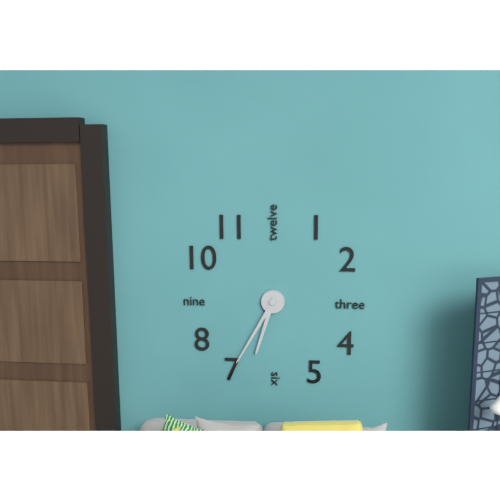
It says 6.35
